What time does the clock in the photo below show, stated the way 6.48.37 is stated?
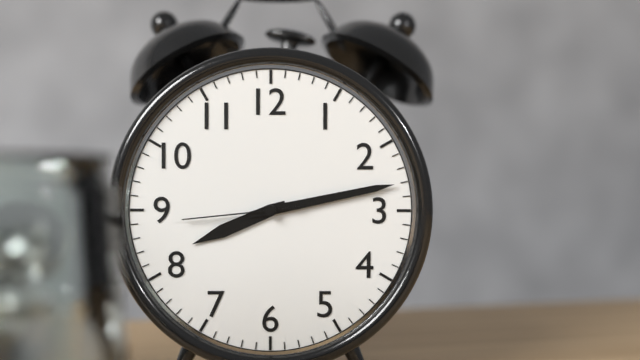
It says 8.13.44
